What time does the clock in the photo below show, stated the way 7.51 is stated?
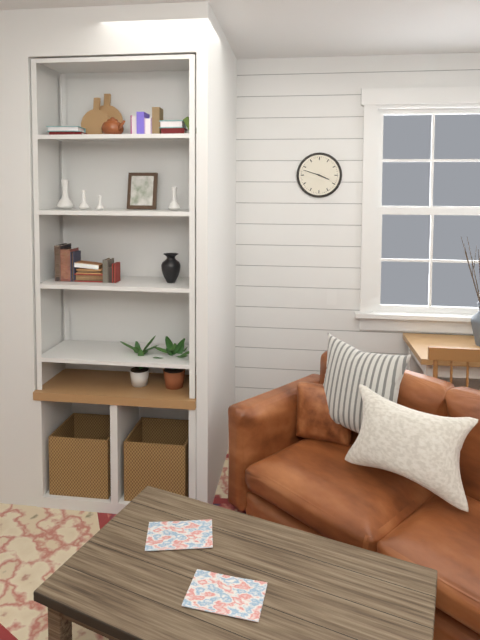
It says 3.48
